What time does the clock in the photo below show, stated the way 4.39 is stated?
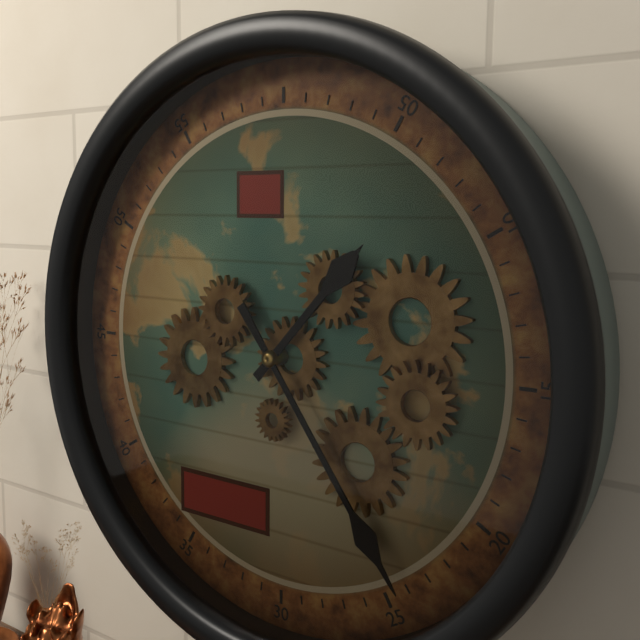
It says 1.24
